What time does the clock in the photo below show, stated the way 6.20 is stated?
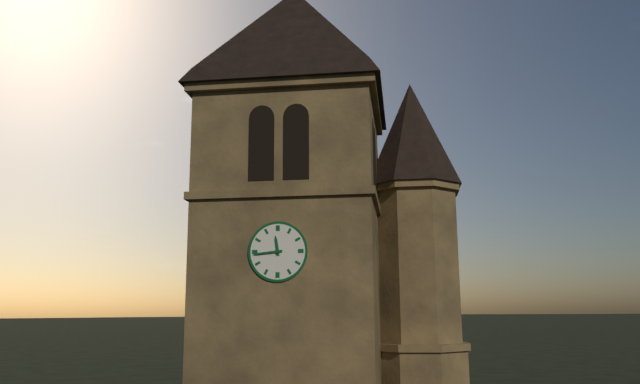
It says 11.44
